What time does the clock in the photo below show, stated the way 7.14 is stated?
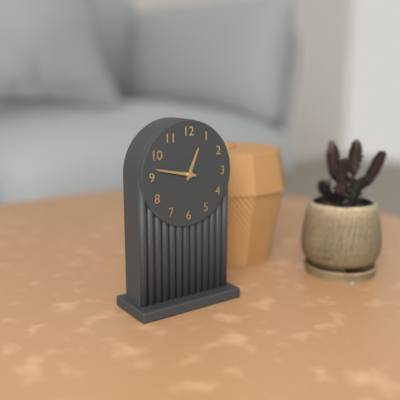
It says 12.47
